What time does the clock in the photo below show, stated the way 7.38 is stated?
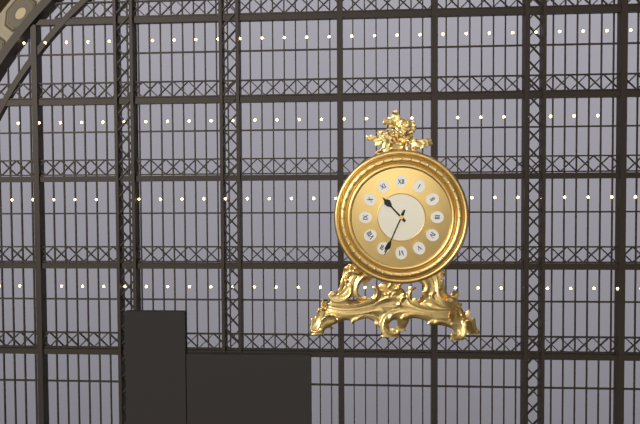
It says 10.34
